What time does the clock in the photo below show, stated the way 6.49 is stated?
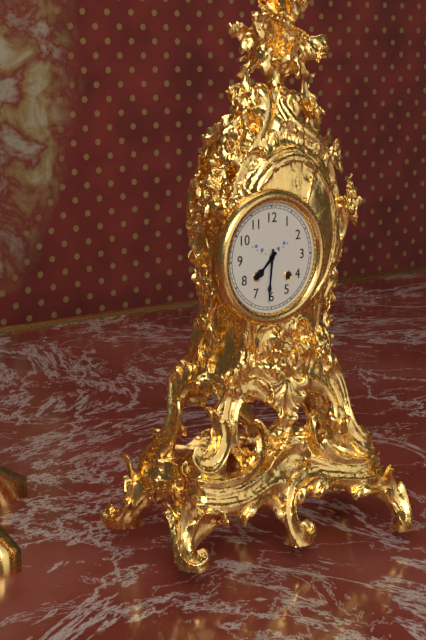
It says 7.31
